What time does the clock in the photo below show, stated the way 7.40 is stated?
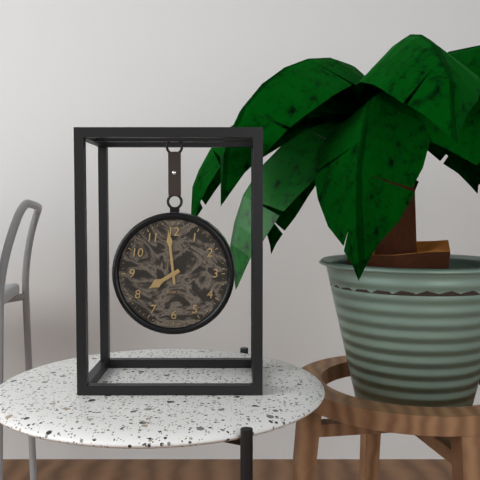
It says 7.59
